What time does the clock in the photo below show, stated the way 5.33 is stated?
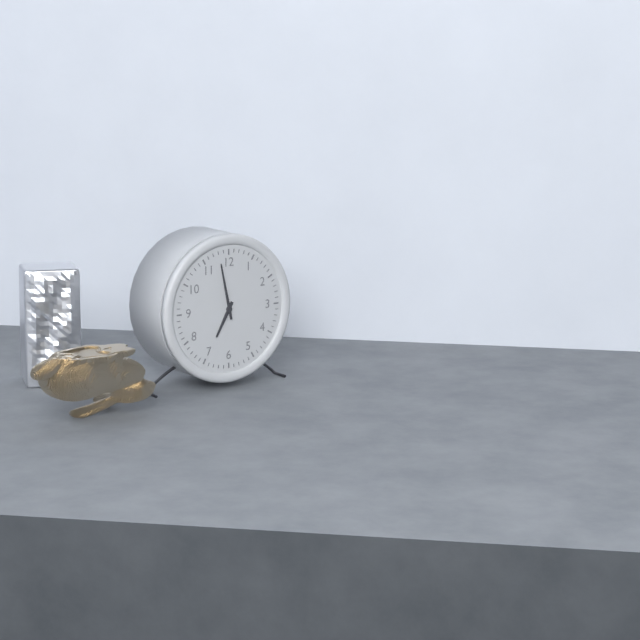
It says 6.58
